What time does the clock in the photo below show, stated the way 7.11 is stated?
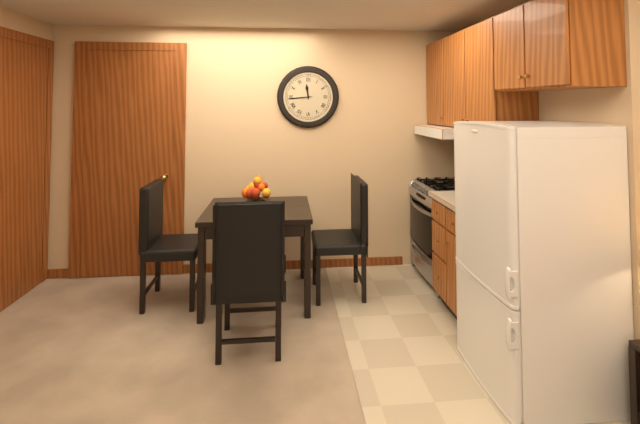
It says 11.44
